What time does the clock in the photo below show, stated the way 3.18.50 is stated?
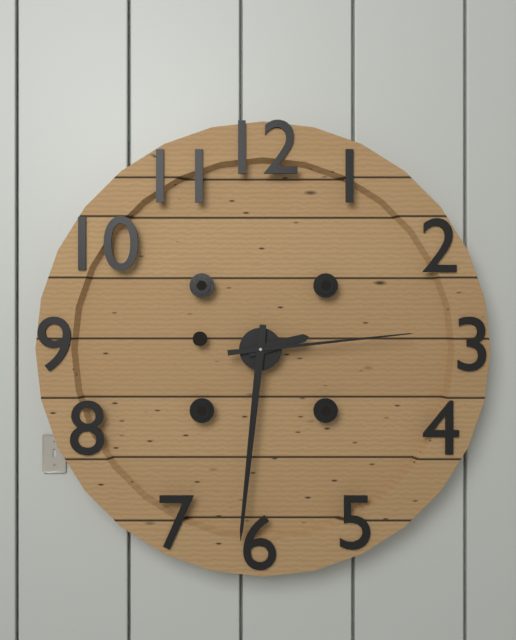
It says 2.31.14
